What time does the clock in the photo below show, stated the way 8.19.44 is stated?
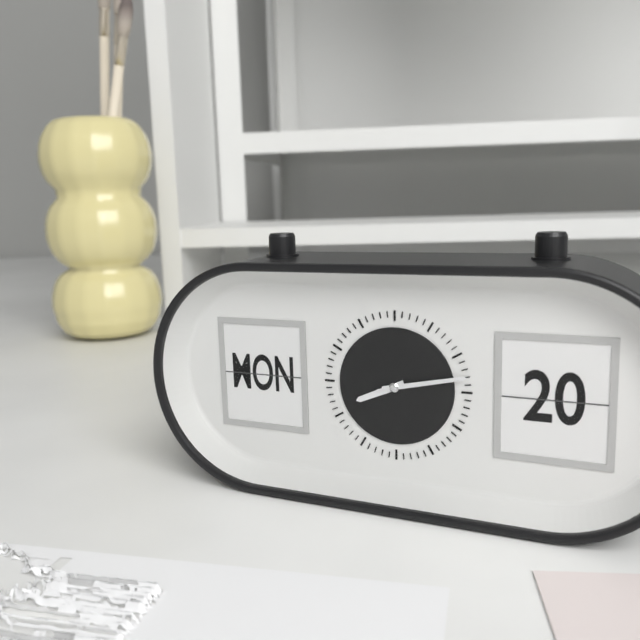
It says 8.13.13
